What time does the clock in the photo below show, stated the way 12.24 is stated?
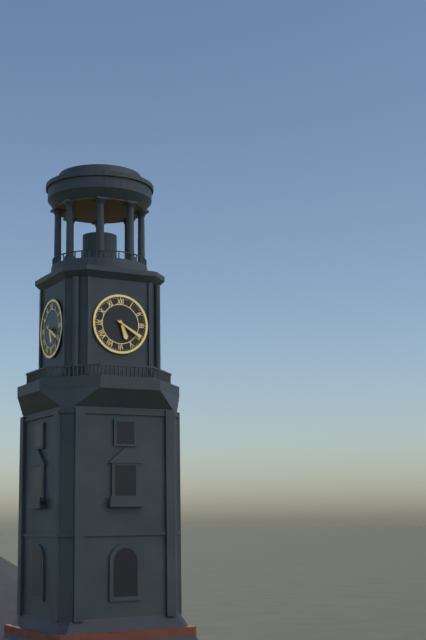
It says 5.20
